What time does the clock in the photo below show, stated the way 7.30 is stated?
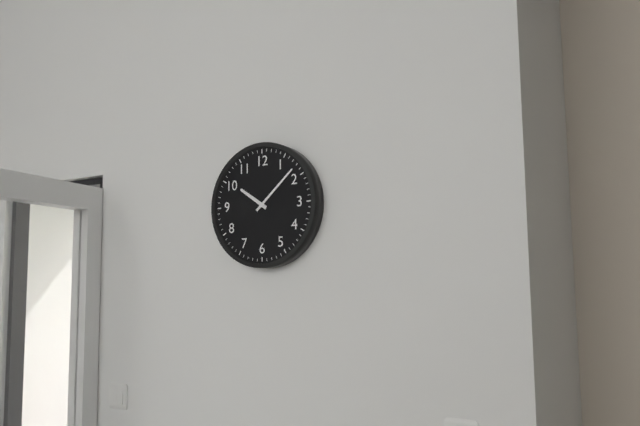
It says 10.08
